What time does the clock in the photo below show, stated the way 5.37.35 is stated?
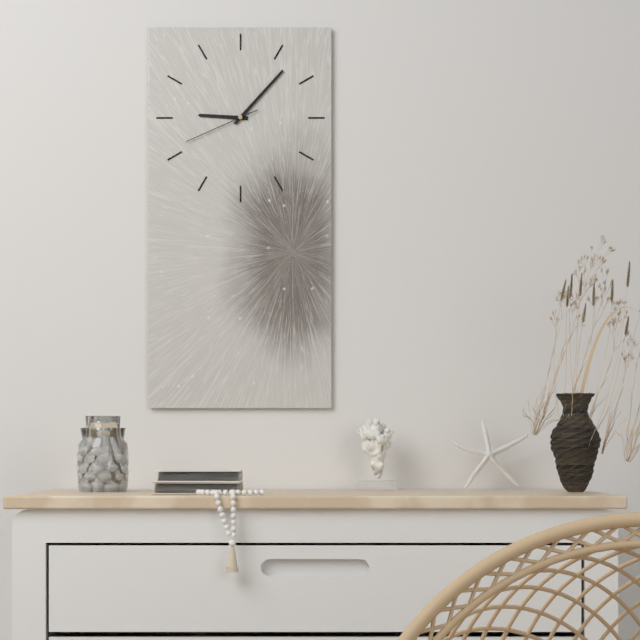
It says 9.07.41
